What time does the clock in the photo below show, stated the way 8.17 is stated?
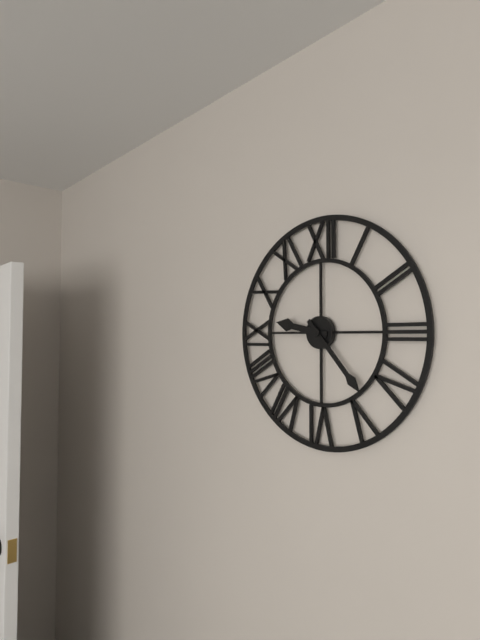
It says 9.23
